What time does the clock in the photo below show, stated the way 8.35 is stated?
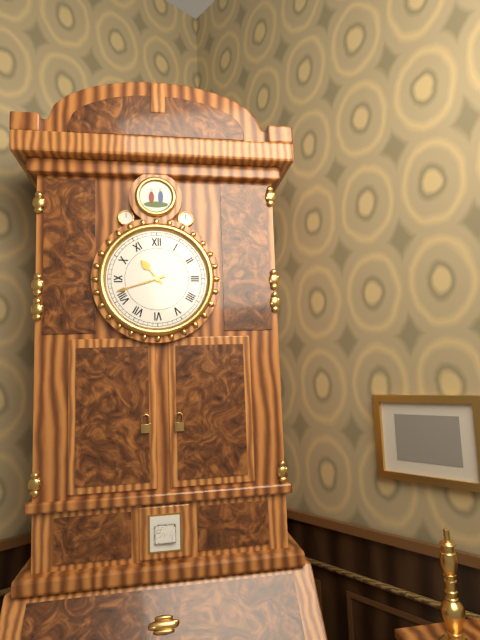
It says 10.42
